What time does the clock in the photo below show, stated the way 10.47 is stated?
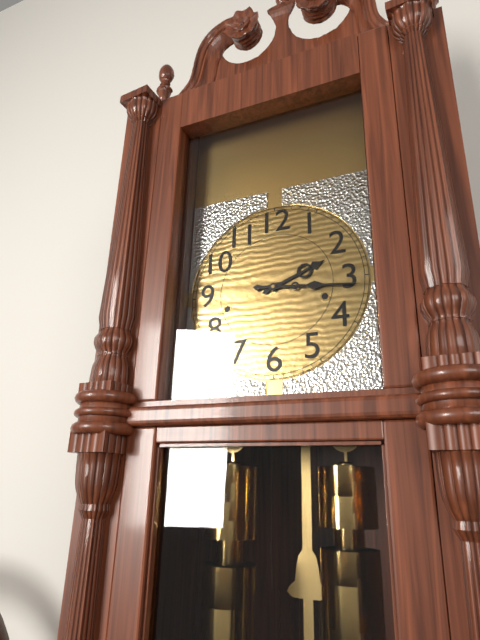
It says 2.16
